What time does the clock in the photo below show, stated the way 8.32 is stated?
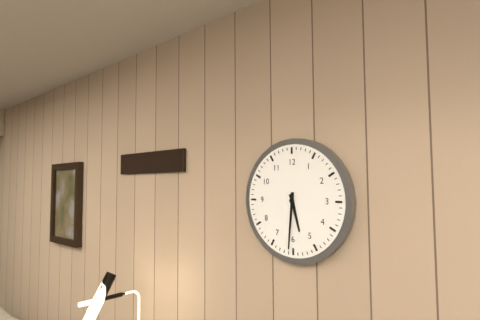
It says 5.31
